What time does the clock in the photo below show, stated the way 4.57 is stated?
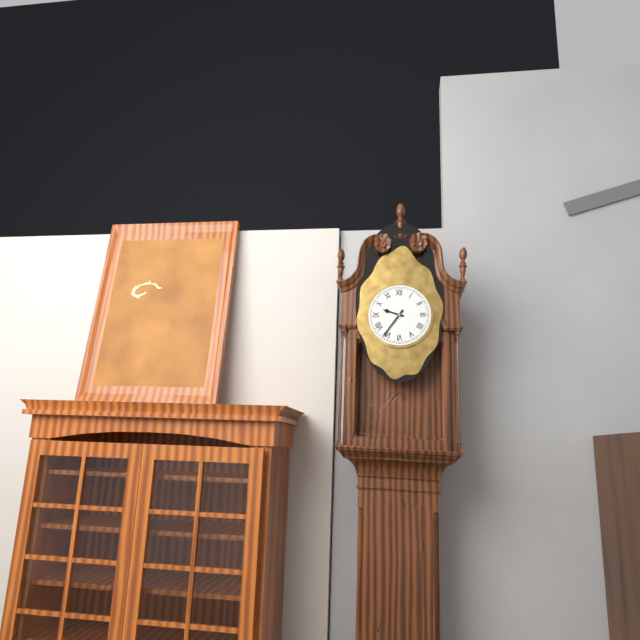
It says 9.36
